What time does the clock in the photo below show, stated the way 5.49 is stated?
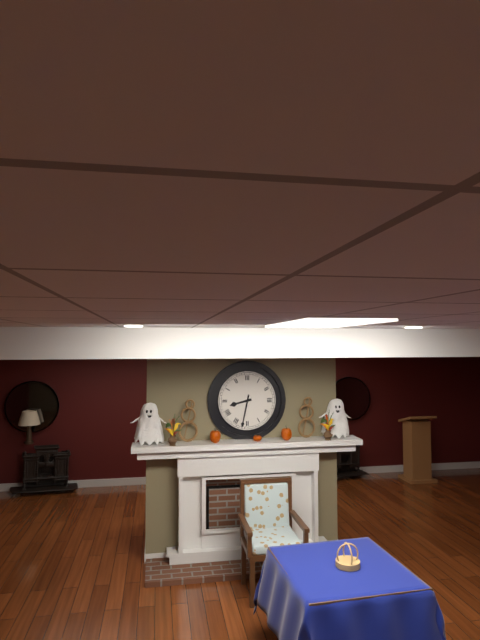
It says 8.32
